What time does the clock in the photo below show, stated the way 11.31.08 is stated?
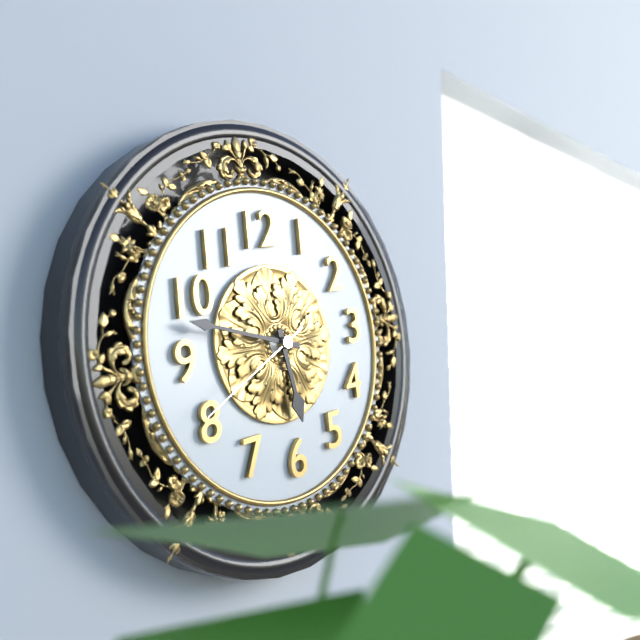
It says 5.48.41
